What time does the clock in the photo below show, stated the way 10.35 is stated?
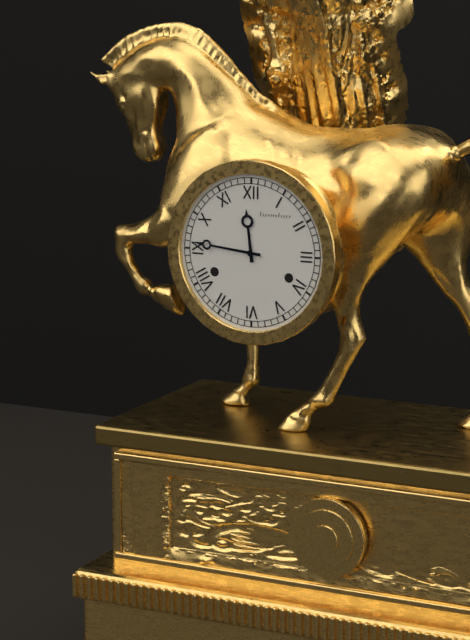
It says 11.46
